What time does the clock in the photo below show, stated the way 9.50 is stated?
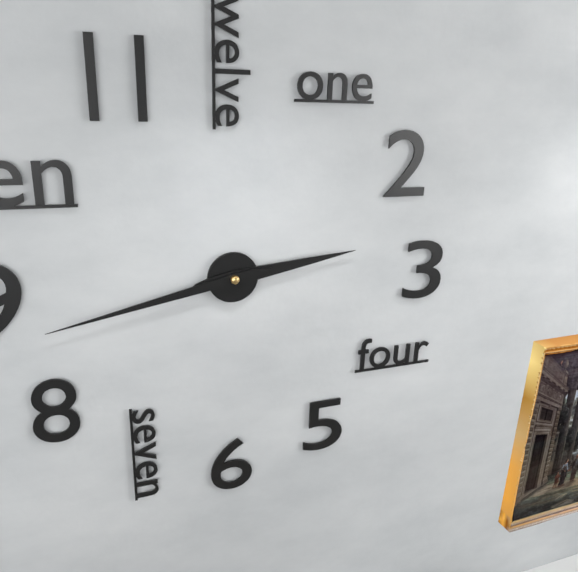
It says 2.43
